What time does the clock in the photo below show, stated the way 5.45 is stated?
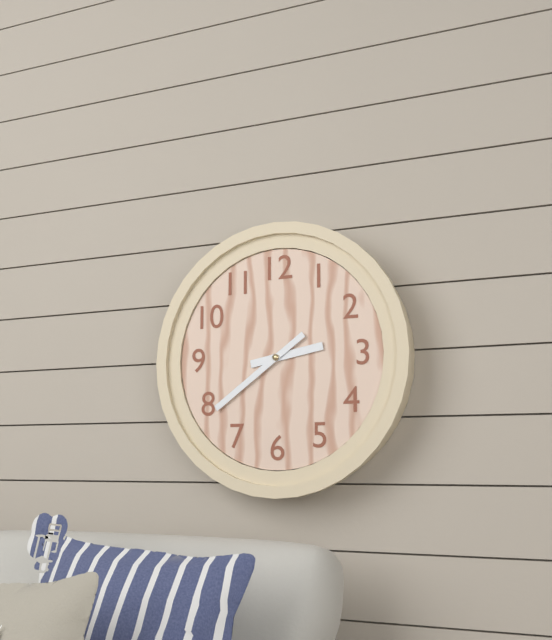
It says 2.39
